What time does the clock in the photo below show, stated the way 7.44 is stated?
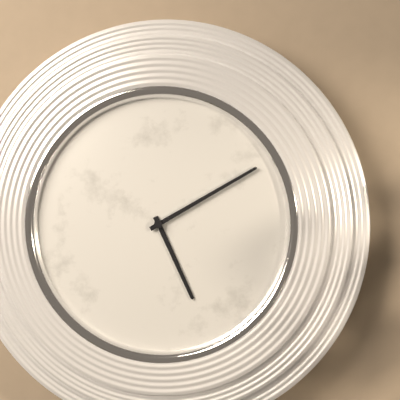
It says 5.10
